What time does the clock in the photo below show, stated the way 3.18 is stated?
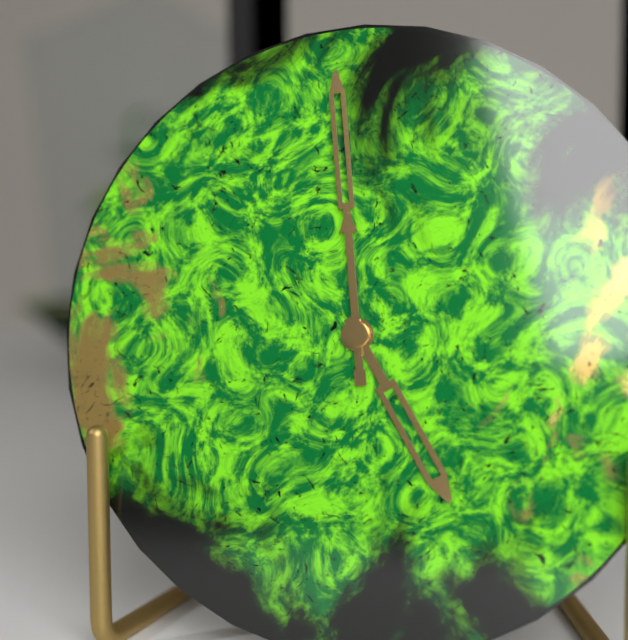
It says 4.59
